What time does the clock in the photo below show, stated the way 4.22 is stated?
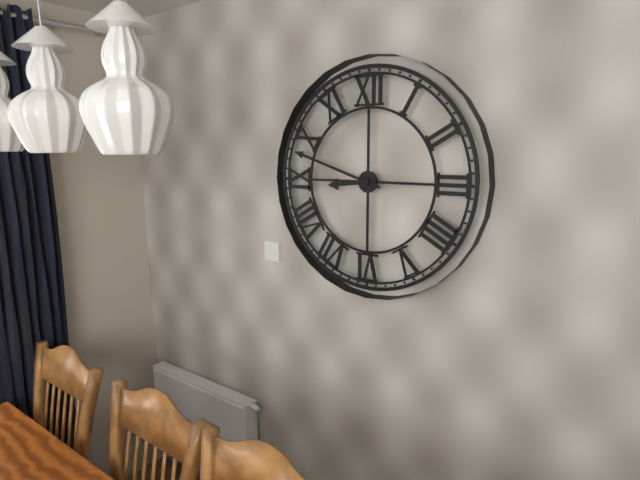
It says 8.48
